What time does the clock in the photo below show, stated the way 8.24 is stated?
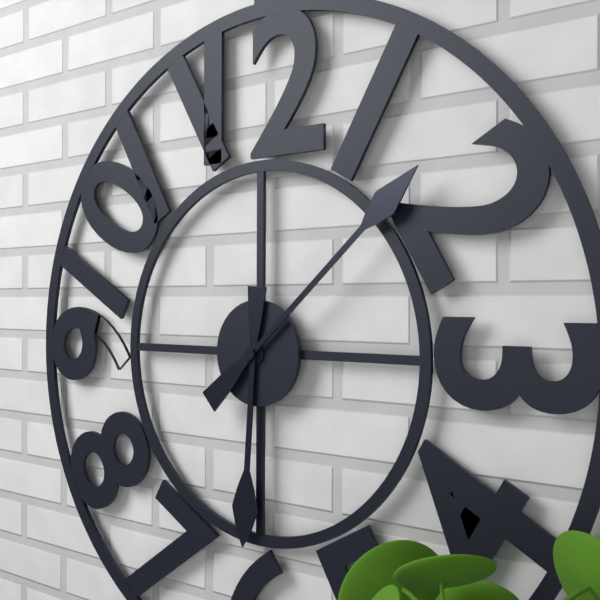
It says 6.08
